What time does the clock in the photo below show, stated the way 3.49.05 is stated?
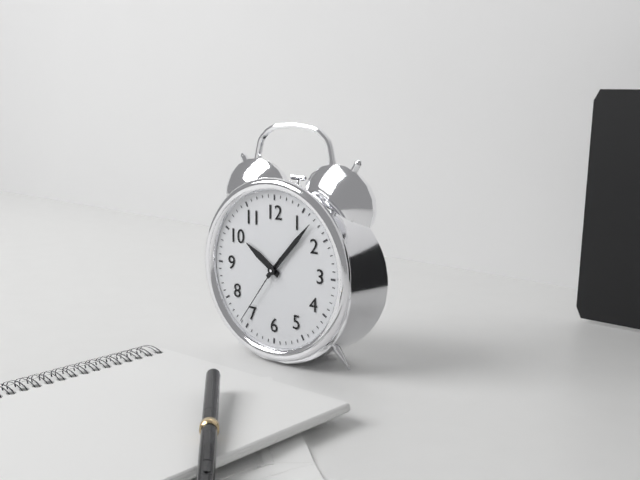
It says 10.07.36
